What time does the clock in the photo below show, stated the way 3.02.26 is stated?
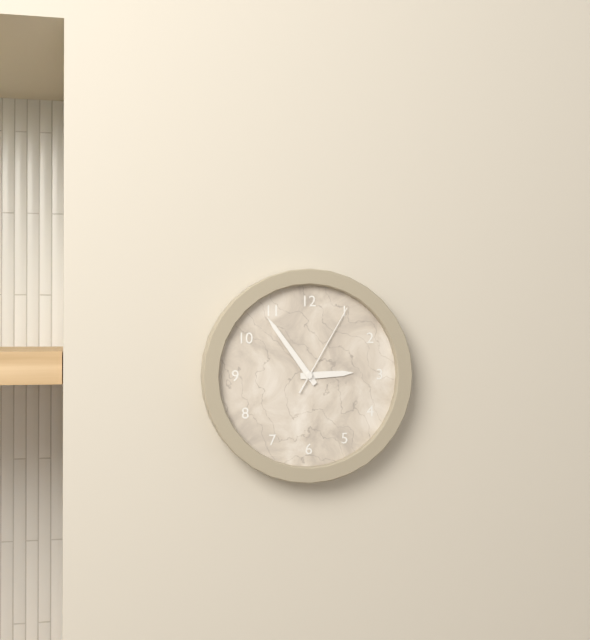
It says 2.54.05
